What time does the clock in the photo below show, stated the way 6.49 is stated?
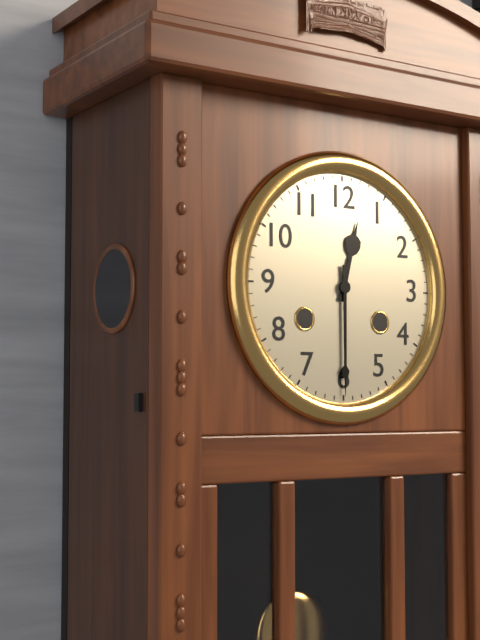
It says 12.30
